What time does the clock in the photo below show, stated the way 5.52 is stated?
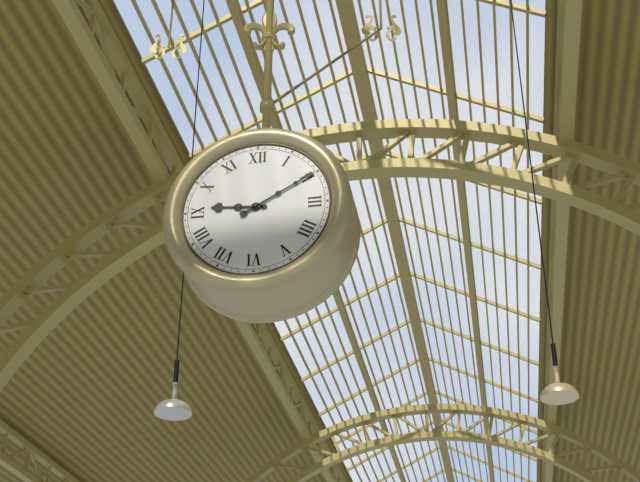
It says 9.10
